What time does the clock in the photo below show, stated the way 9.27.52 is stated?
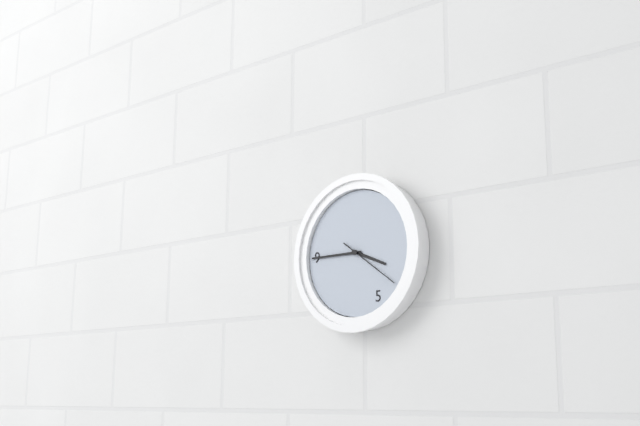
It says 3.45.21
